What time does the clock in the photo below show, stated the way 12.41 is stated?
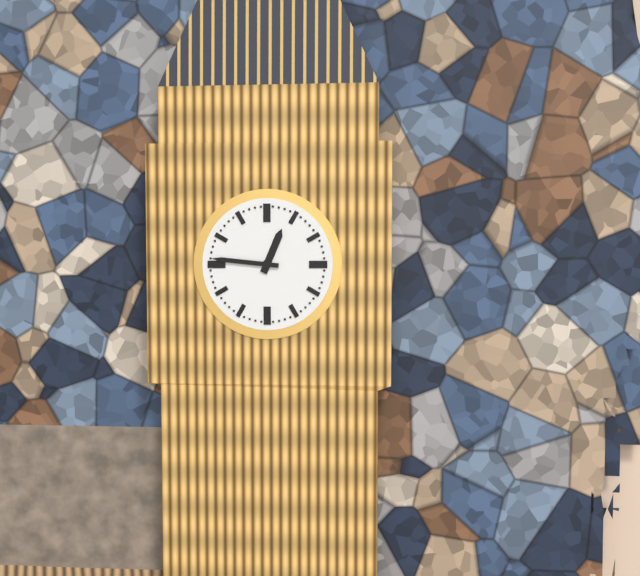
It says 12.46
